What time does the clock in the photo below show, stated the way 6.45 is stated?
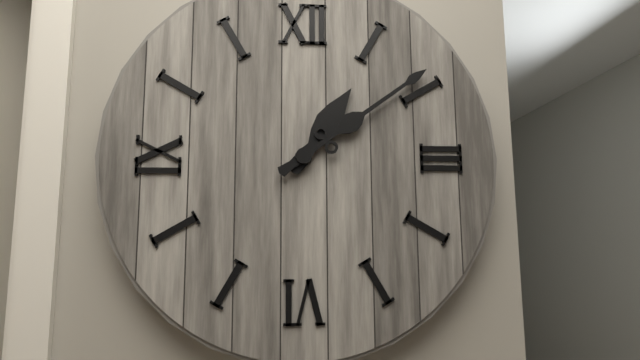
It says 1.09
